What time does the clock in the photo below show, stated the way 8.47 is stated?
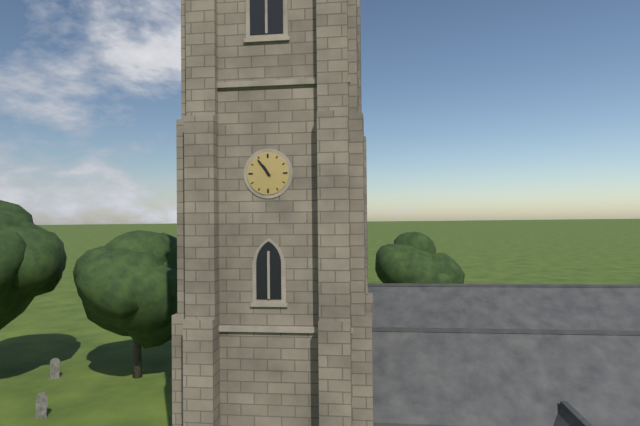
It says 10.54
